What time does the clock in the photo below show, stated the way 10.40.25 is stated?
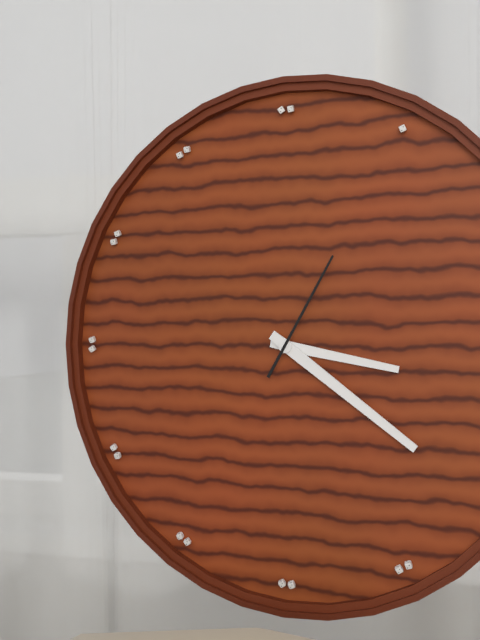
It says 3.21.05
